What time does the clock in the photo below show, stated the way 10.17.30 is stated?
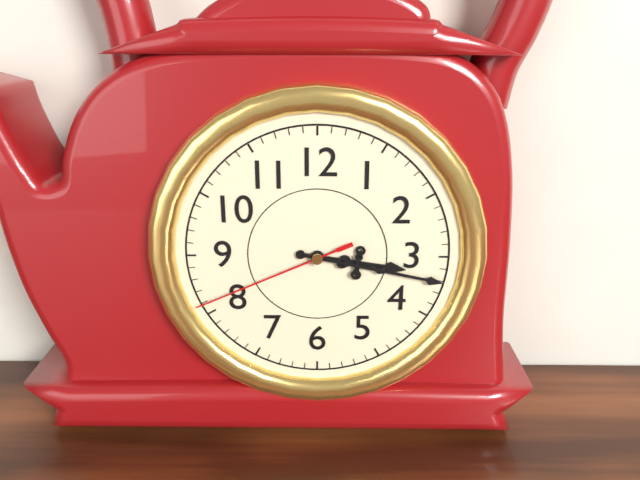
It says 3.17.41
